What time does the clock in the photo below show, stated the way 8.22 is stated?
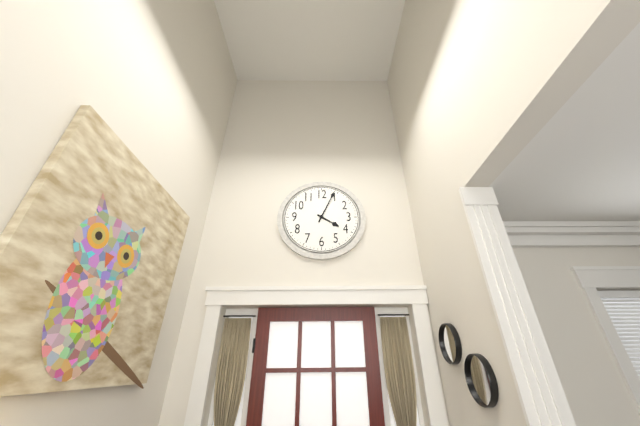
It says 4.04
